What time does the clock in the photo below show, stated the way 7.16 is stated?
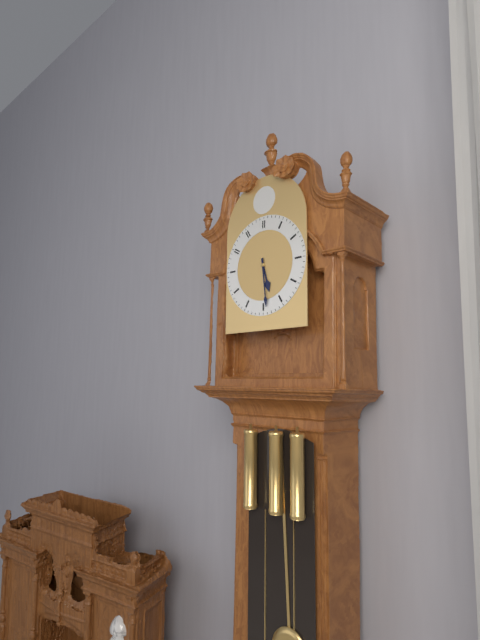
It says 5.29
